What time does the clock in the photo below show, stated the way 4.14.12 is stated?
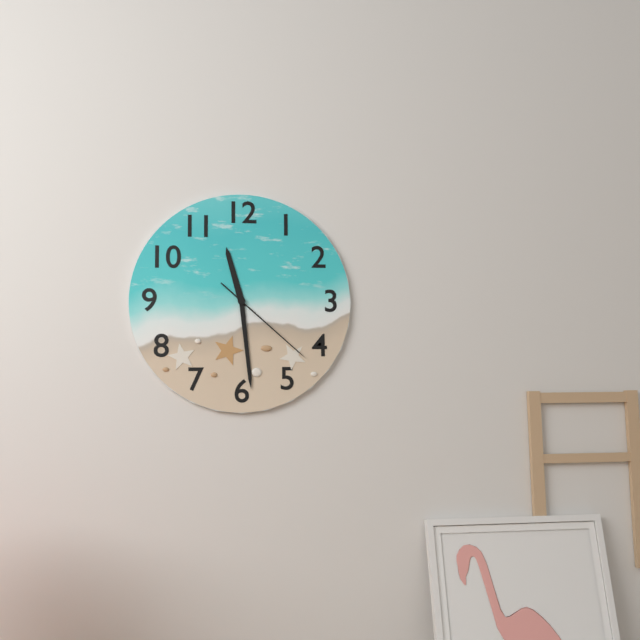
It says 11.29.22
